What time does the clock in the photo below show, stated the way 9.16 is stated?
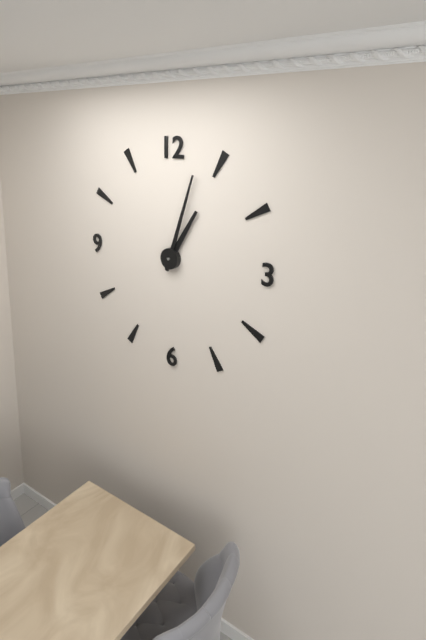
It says 1.03
